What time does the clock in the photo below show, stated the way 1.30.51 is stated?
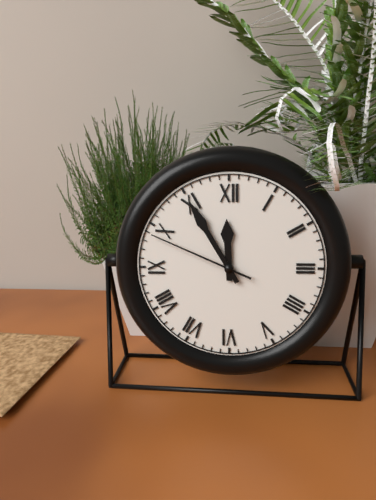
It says 11.55.49
